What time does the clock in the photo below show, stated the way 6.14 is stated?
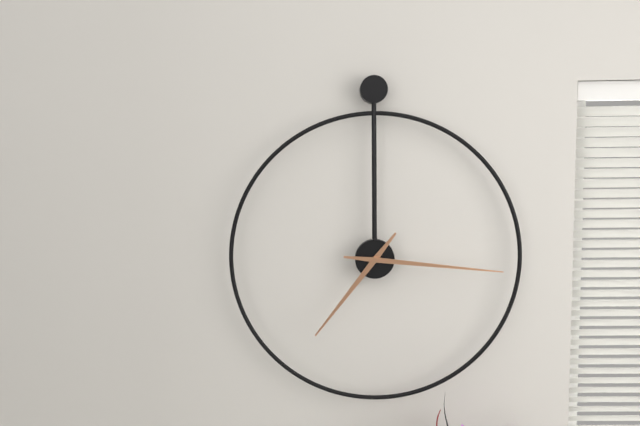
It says 7.16
